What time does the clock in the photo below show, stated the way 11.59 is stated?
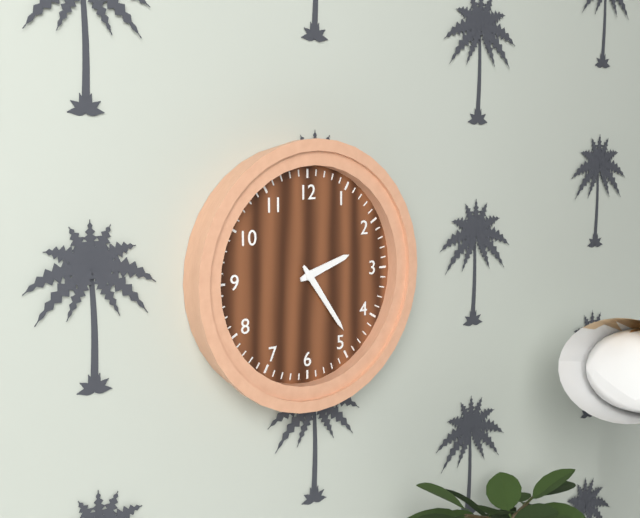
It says 2.24
